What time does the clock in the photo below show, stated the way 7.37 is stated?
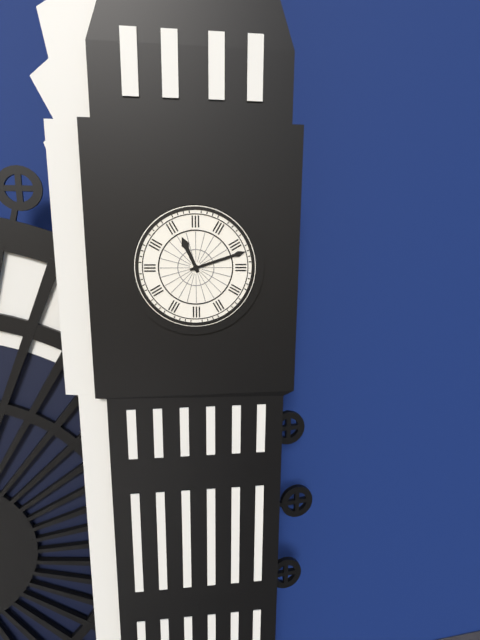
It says 11.12
